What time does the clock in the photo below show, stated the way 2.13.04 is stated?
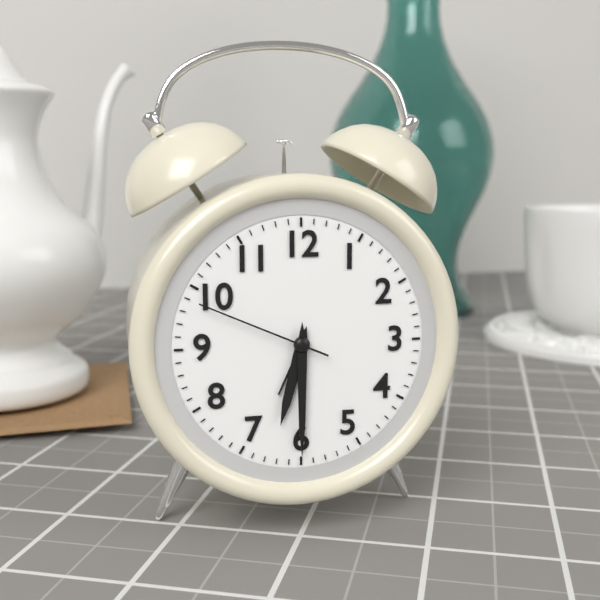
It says 6.30.49
